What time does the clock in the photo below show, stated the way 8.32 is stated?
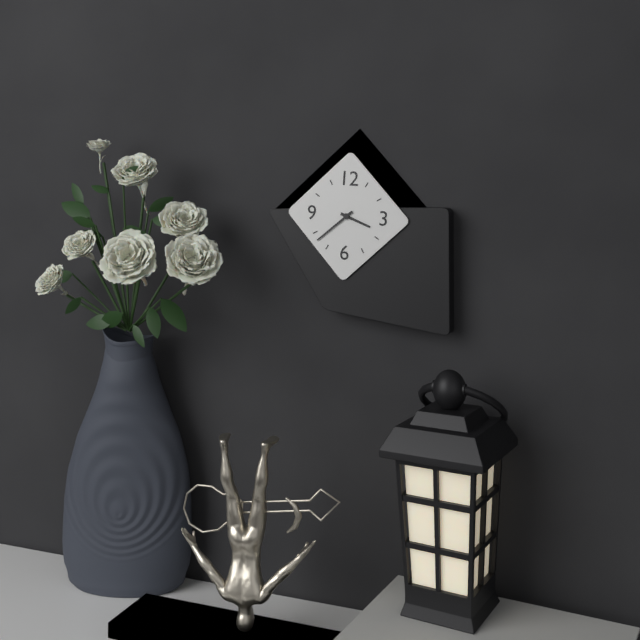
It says 3.38
